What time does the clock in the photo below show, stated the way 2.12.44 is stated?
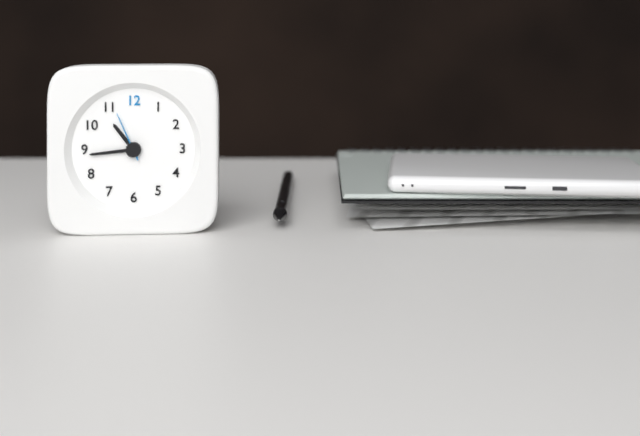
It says 10.44.56
